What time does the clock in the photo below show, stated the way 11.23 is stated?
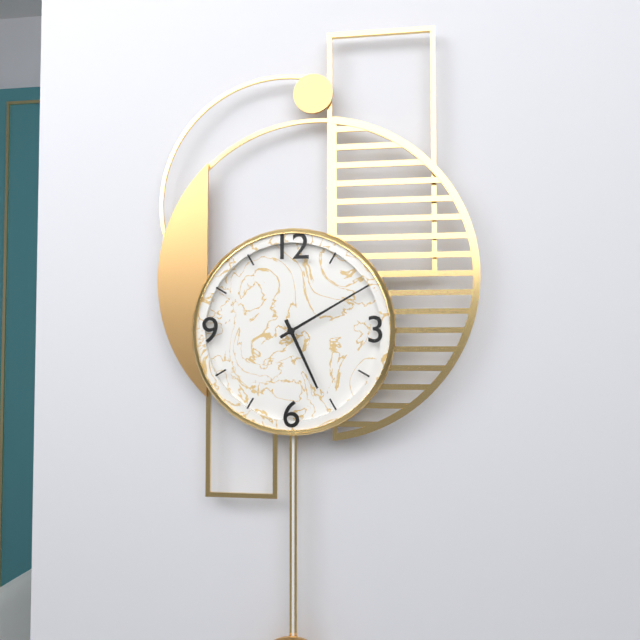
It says 5.10
